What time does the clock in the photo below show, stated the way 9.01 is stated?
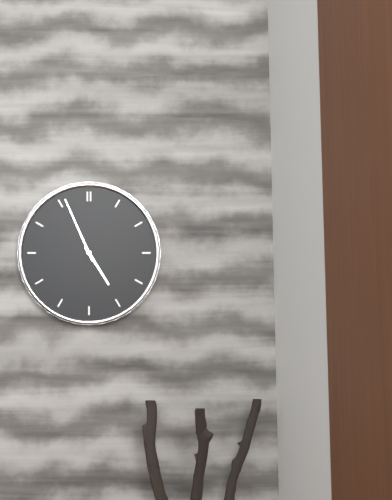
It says 4.56
